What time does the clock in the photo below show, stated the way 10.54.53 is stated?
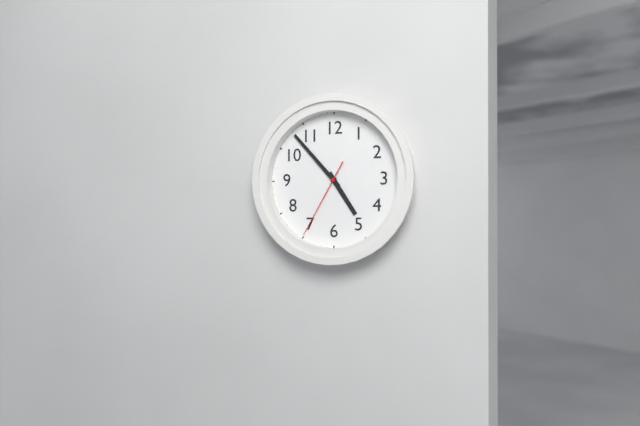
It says 4.53.35
